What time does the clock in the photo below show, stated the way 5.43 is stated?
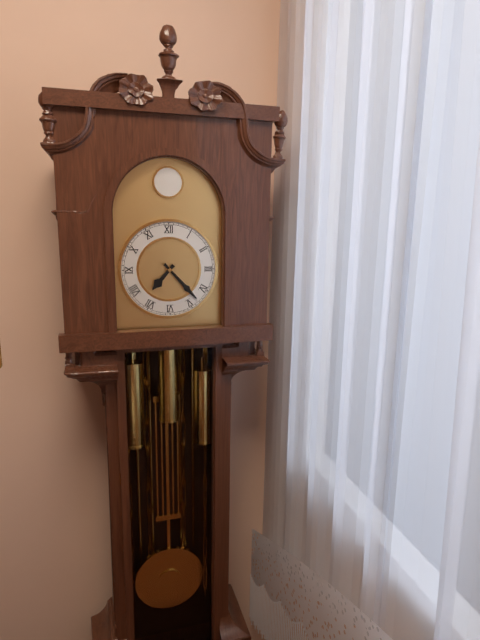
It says 7.23
